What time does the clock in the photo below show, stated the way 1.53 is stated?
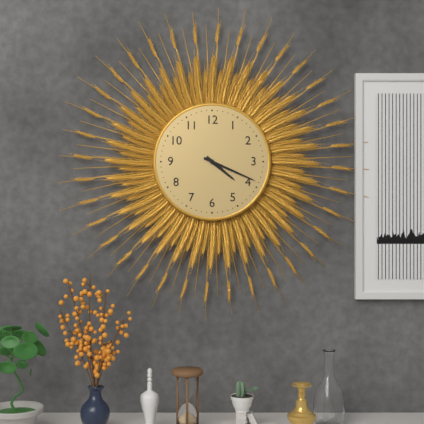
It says 4.19
